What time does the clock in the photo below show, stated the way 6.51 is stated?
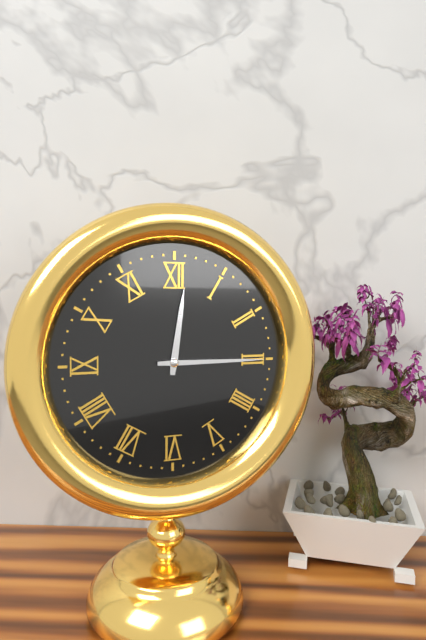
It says 12.15
